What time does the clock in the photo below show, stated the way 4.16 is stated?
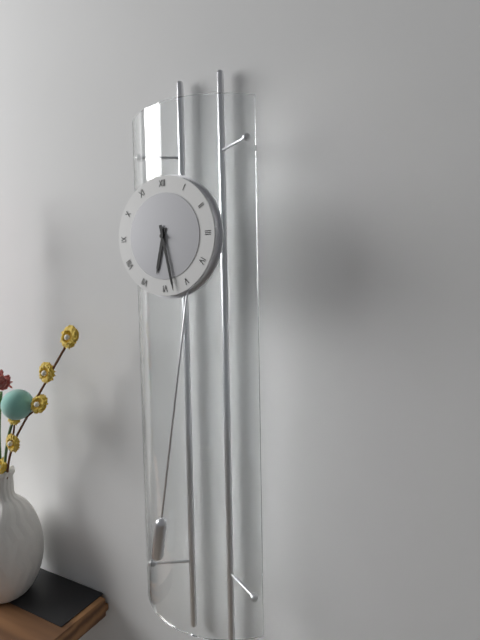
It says 6.28
